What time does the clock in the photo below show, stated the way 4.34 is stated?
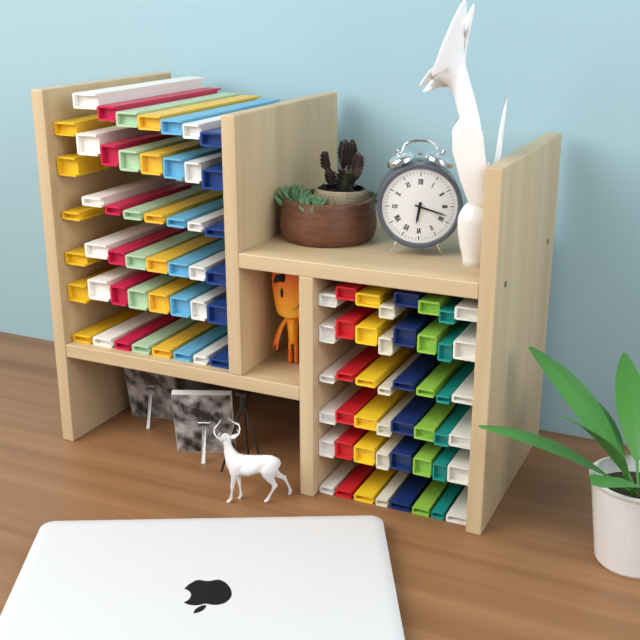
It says 6.18
